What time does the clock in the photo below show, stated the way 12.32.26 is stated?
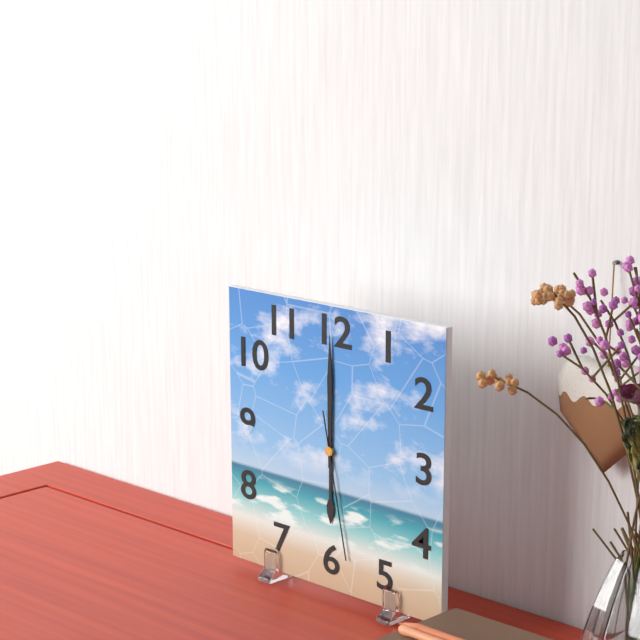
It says 6.00.28
